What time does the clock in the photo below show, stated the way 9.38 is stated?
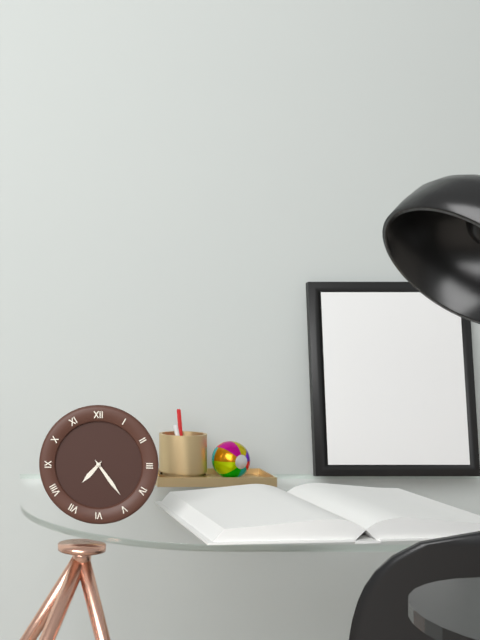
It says 7.24
